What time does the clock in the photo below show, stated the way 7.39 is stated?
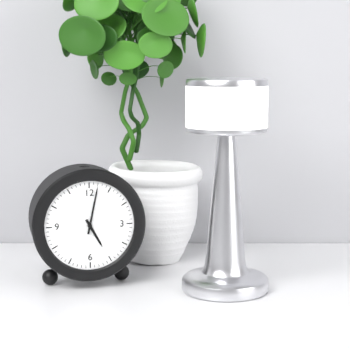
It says 5.02
